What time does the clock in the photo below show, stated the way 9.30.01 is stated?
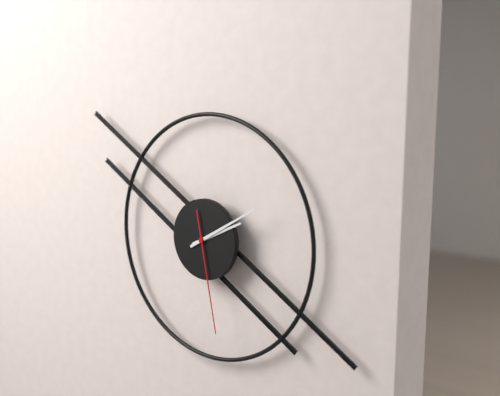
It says 2.10.28
